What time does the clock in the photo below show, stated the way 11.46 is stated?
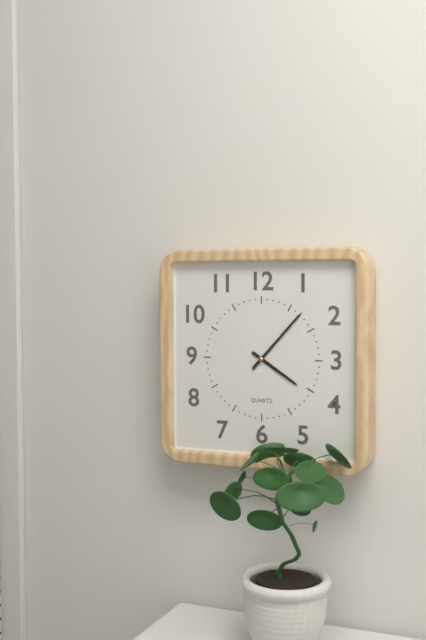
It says 4.07
